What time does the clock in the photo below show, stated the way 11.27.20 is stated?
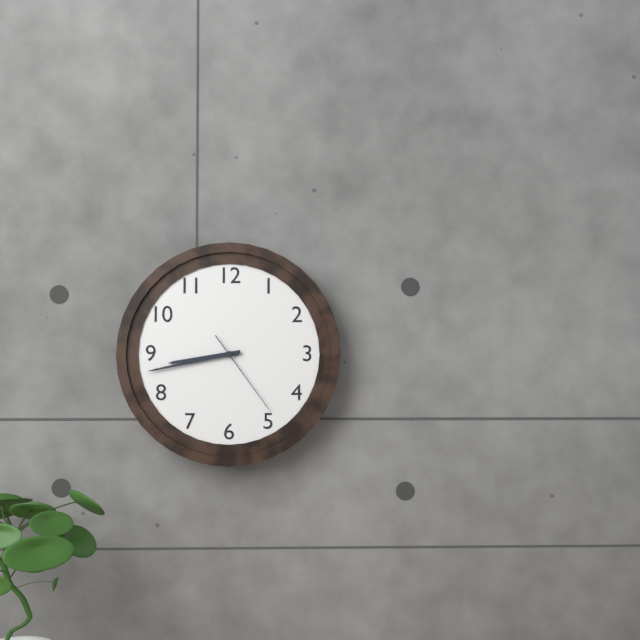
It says 8.43.24
